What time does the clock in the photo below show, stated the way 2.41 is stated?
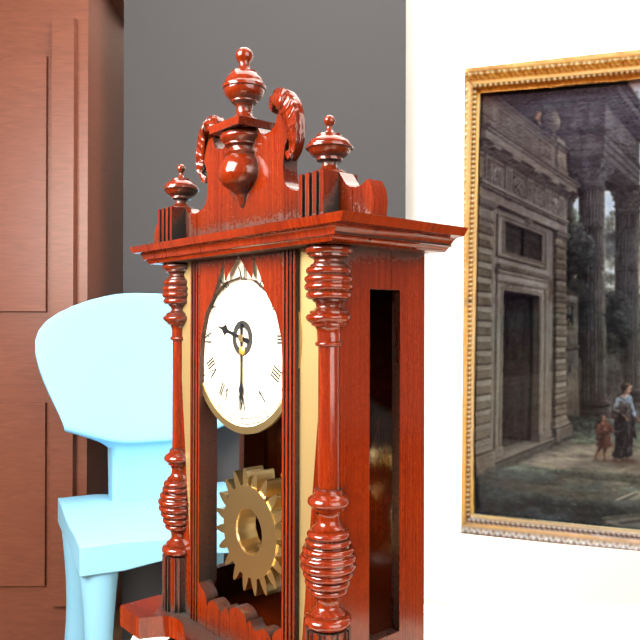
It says 9.30
